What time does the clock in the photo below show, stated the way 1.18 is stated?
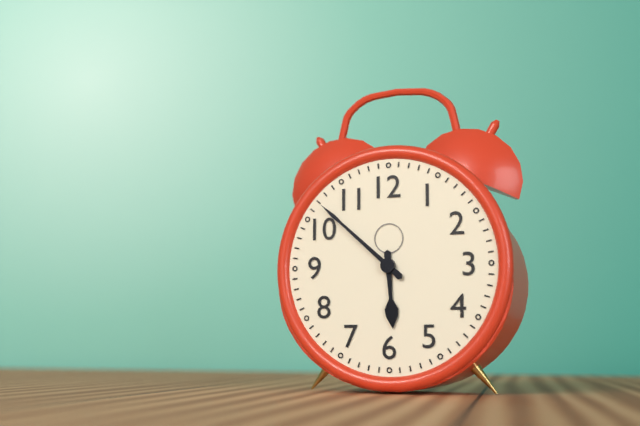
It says 5.52
